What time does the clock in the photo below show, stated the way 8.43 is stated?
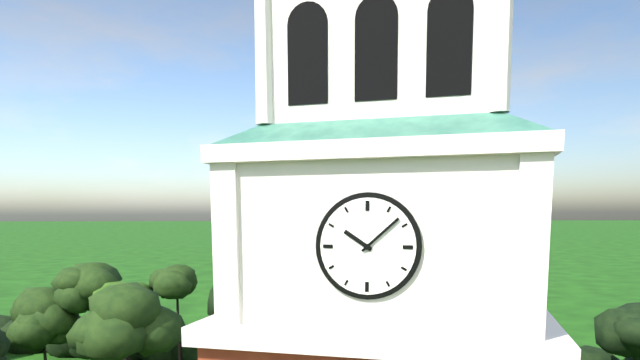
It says 10.08
